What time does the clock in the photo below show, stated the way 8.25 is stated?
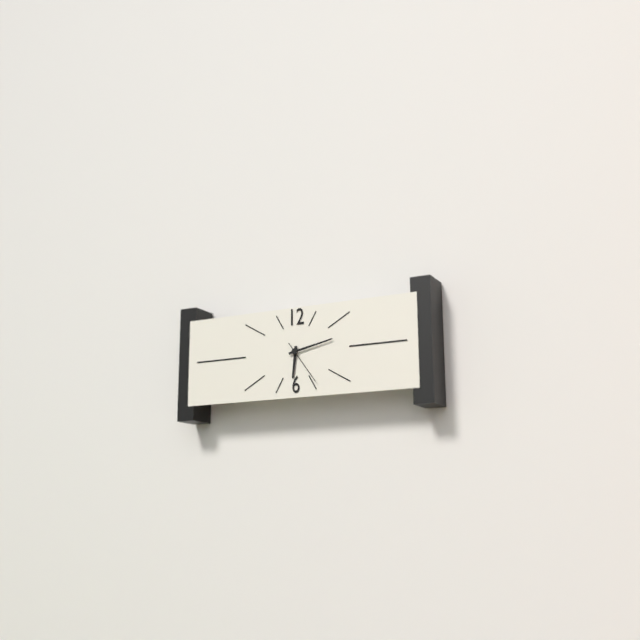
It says 6.13
